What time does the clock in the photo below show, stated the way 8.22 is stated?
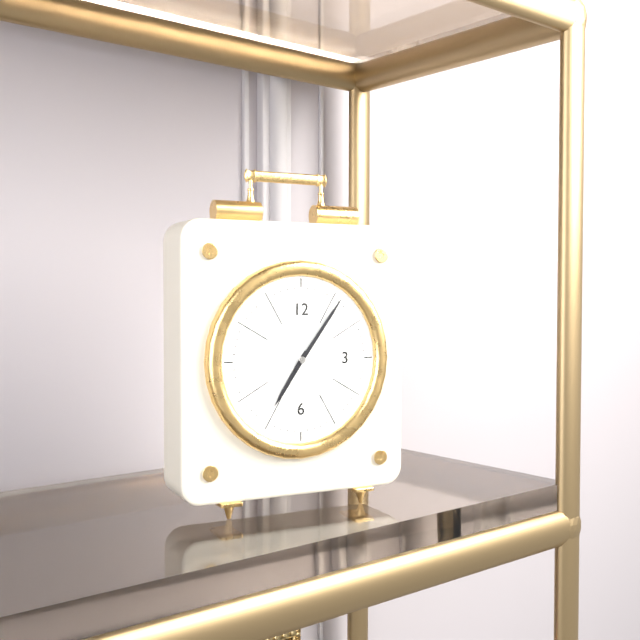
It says 7.06
